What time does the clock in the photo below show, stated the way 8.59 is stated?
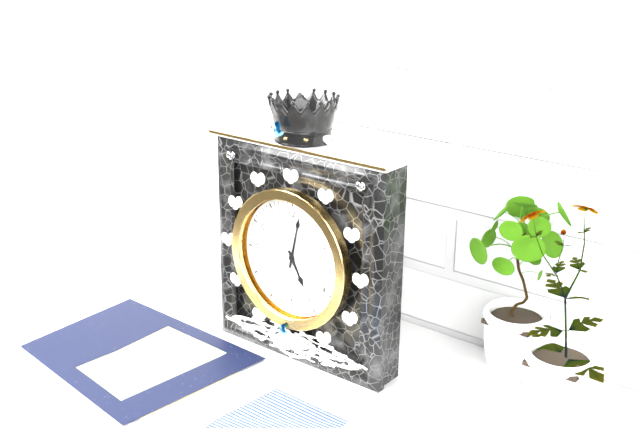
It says 5.02
